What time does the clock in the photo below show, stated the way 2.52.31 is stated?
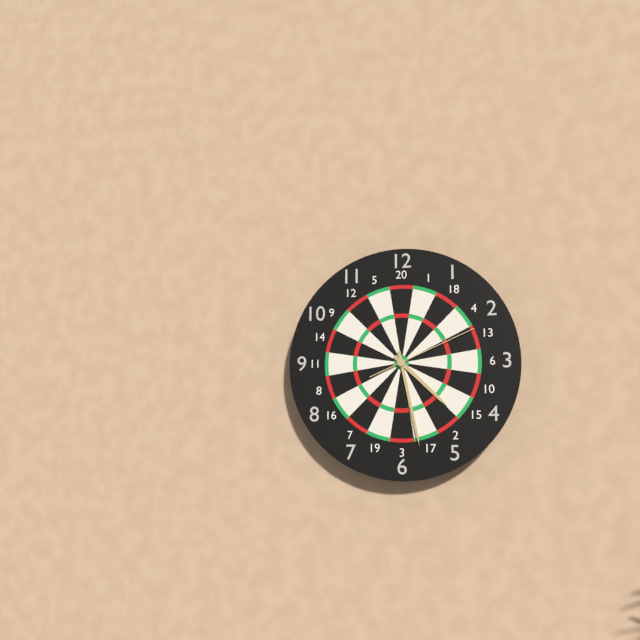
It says 4.28.11
